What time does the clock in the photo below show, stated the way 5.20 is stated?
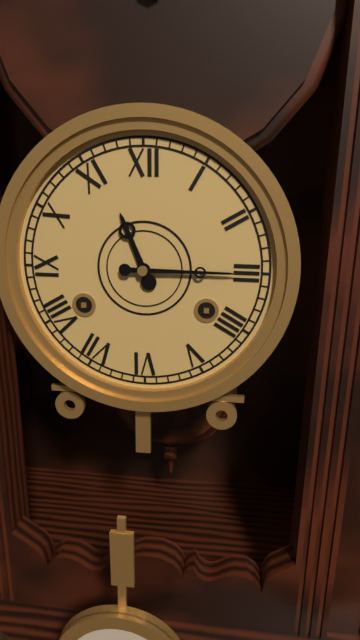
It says 11.15
